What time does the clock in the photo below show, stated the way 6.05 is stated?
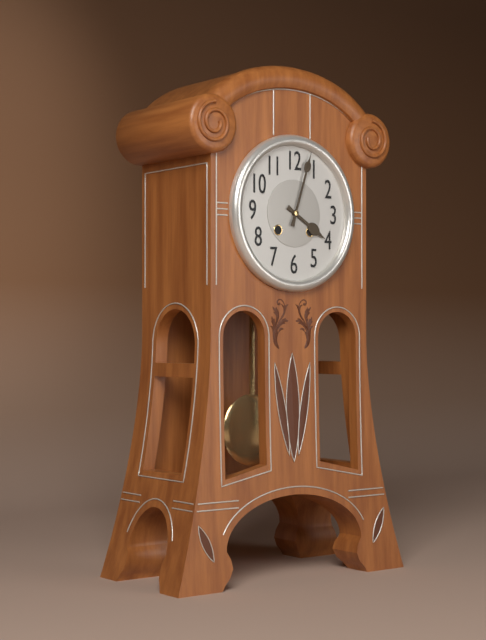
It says 4.03
